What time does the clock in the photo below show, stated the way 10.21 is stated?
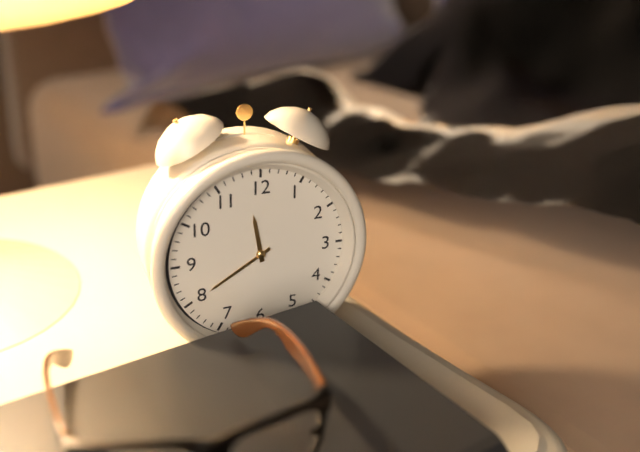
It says 11.40
